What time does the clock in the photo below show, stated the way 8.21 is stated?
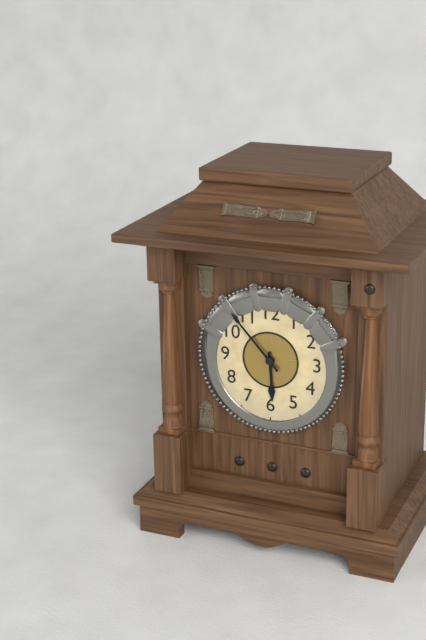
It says 5.53
